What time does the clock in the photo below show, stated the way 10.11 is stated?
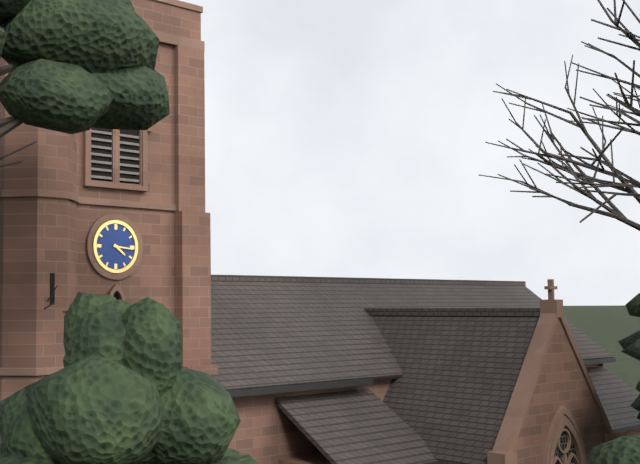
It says 4.16
